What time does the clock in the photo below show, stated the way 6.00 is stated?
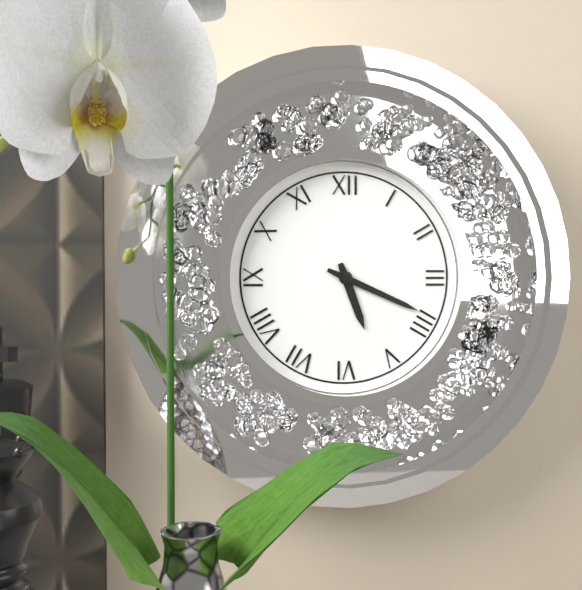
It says 5.19
